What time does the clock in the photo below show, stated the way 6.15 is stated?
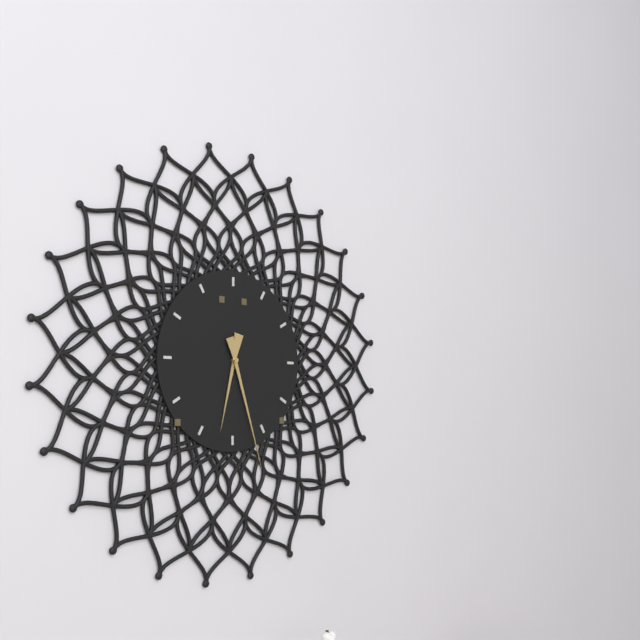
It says 6.27
